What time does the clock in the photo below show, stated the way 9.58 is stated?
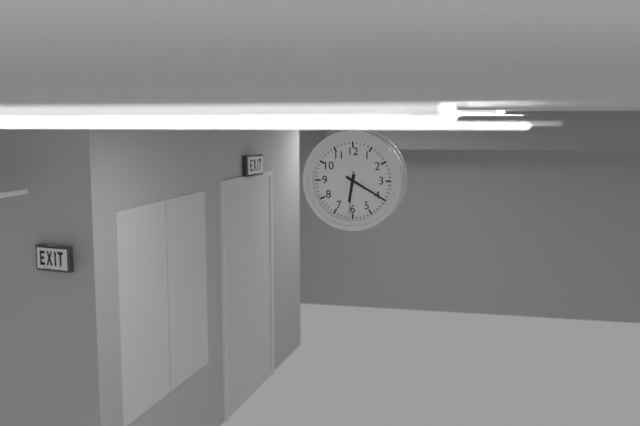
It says 6.20
